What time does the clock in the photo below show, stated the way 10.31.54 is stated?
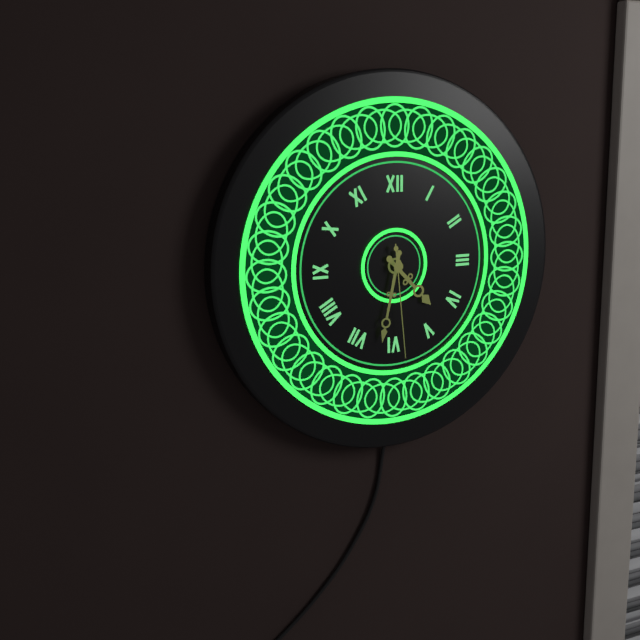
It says 4.32.29
